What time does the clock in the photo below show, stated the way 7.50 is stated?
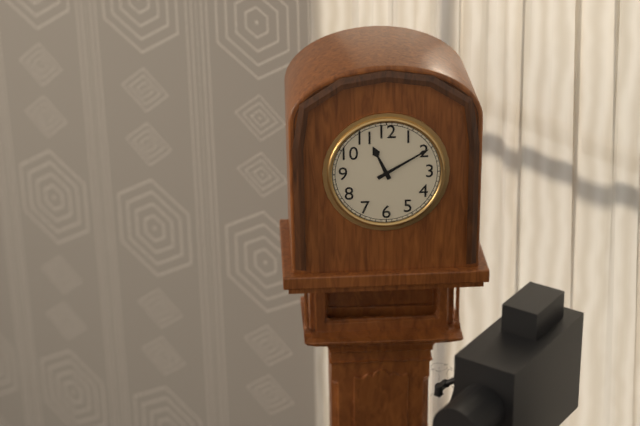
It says 11.10
